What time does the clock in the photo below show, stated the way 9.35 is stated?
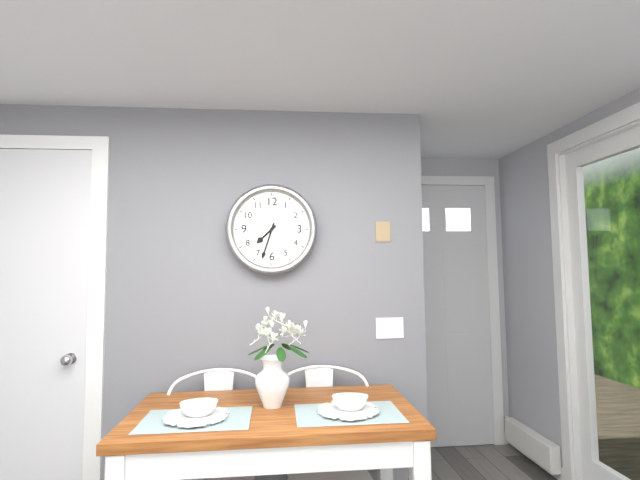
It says 7.33
